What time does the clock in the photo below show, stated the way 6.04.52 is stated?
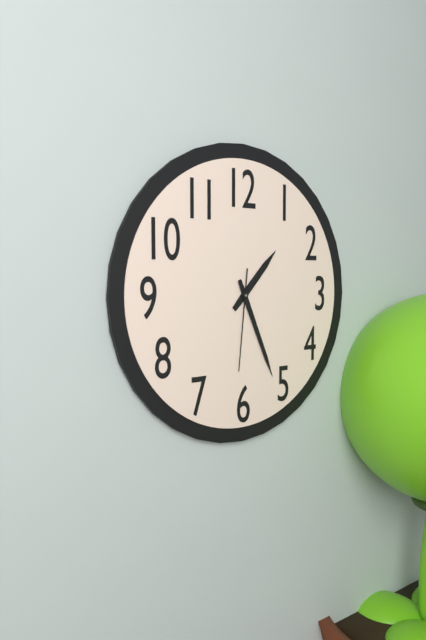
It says 1.26.31
